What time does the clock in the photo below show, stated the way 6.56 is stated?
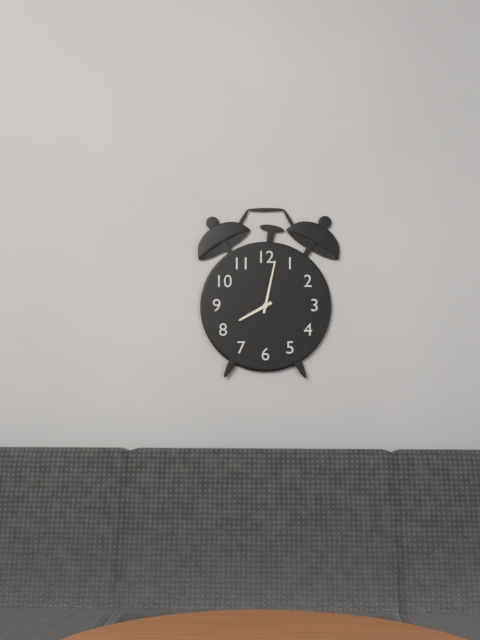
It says 8.02
